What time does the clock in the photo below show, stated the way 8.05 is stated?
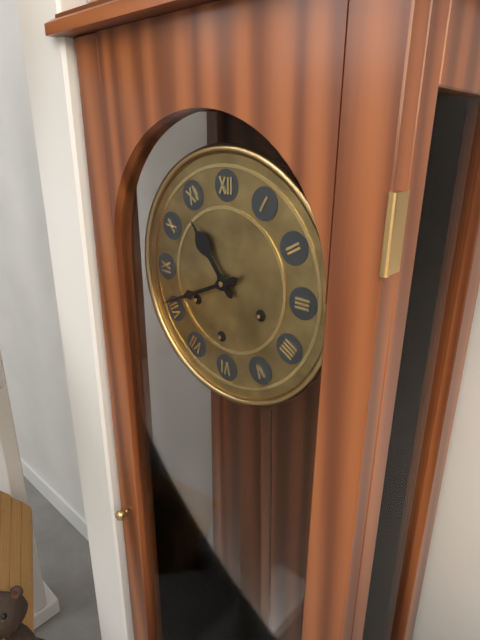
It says 10.41
